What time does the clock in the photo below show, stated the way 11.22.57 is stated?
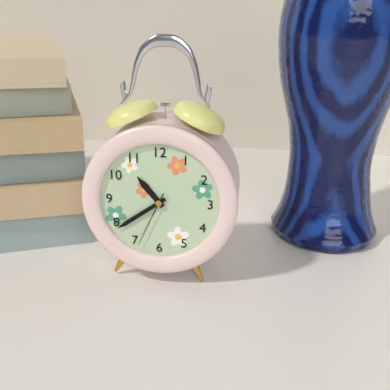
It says 10.39.34
